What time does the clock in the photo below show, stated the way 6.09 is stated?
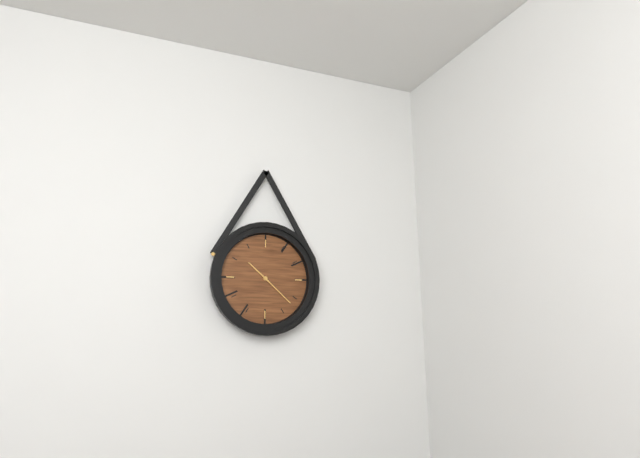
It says 10.22
